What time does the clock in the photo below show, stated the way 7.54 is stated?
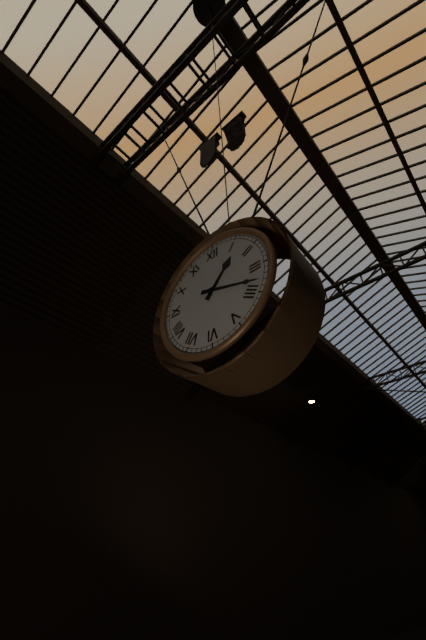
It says 1.18
